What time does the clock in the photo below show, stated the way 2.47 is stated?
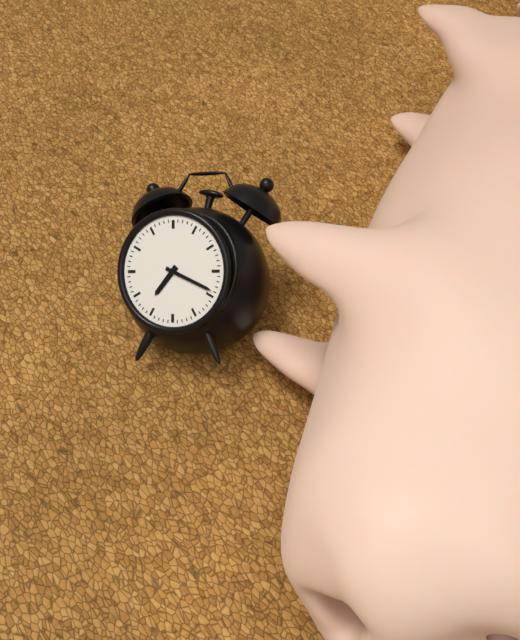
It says 7.19
